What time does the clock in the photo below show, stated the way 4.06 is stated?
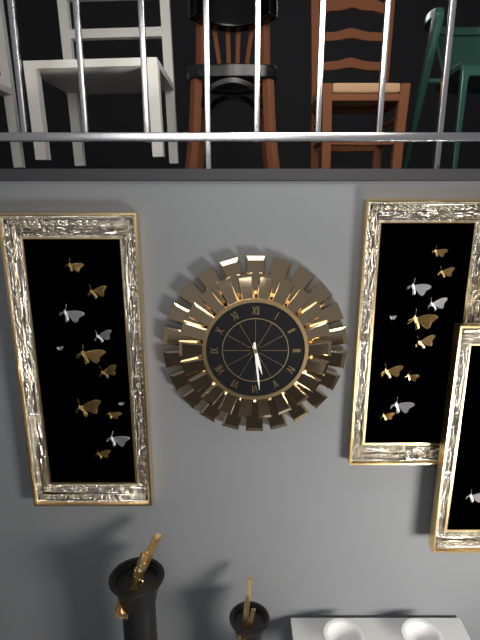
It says 5.29
